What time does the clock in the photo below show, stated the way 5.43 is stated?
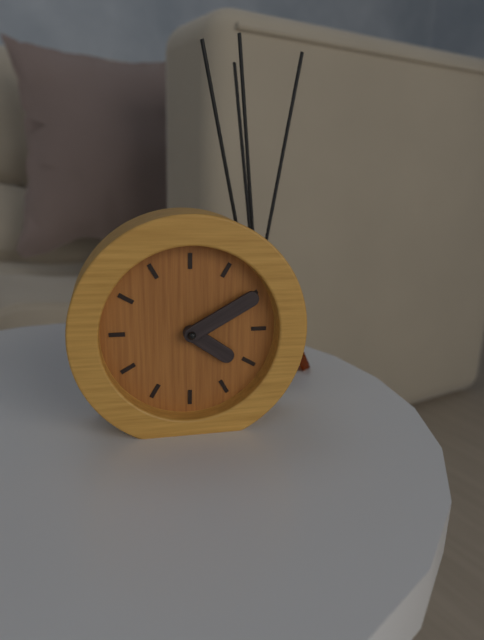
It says 4.10
